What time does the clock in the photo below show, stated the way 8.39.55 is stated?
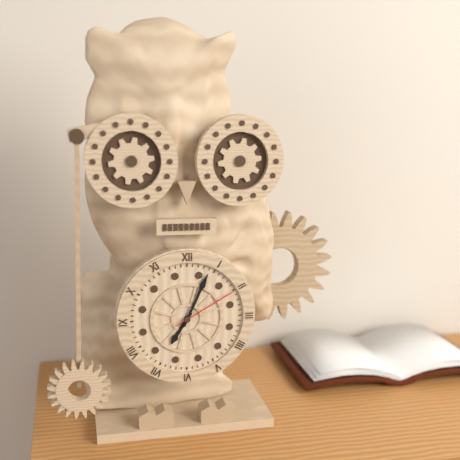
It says 7.04.10
